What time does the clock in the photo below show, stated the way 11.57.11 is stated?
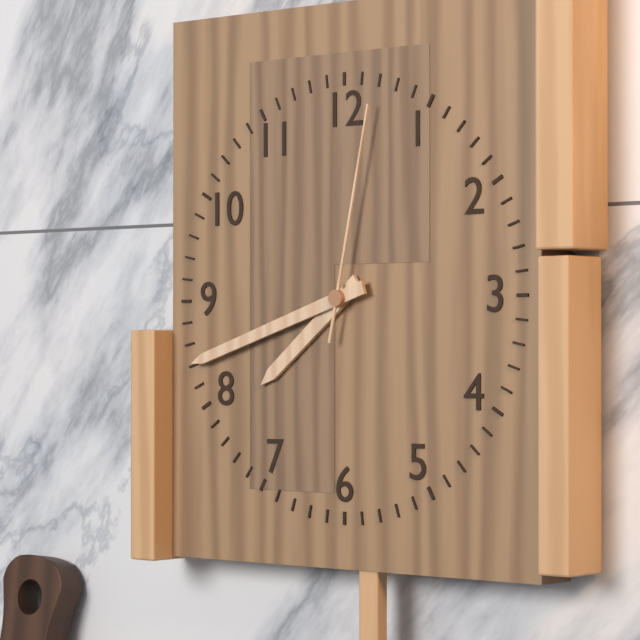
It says 7.42.02
